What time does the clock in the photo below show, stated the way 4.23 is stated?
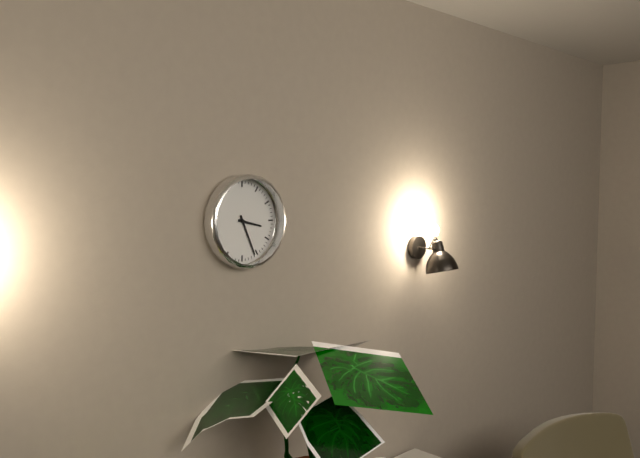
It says 3.26
